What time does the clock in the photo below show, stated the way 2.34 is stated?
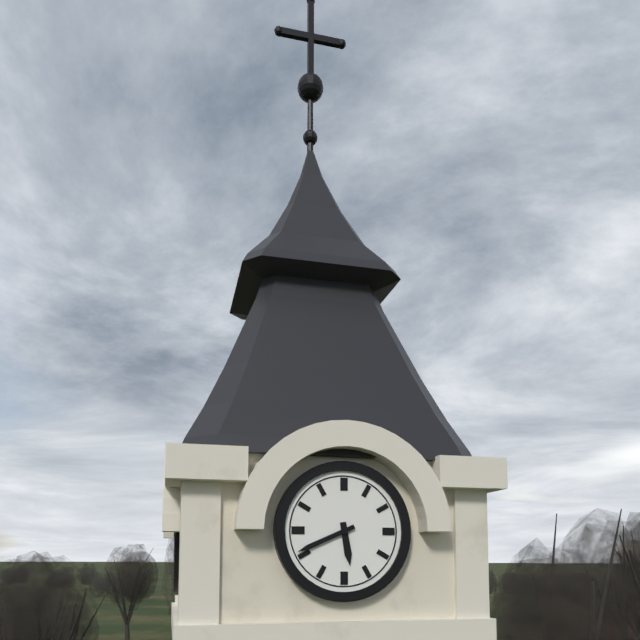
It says 5.41
